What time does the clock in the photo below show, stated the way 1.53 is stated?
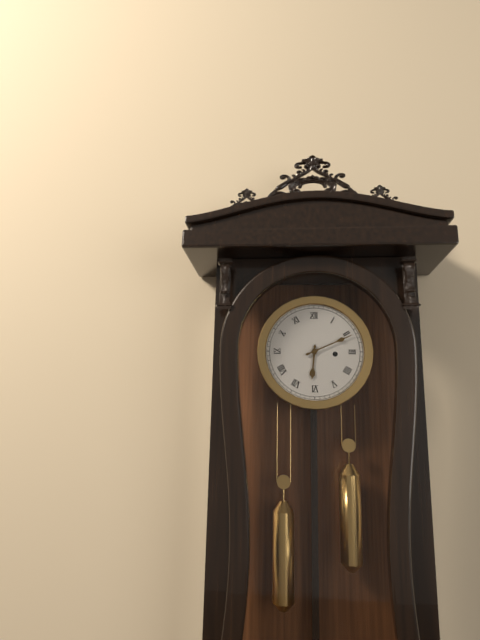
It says 6.11
